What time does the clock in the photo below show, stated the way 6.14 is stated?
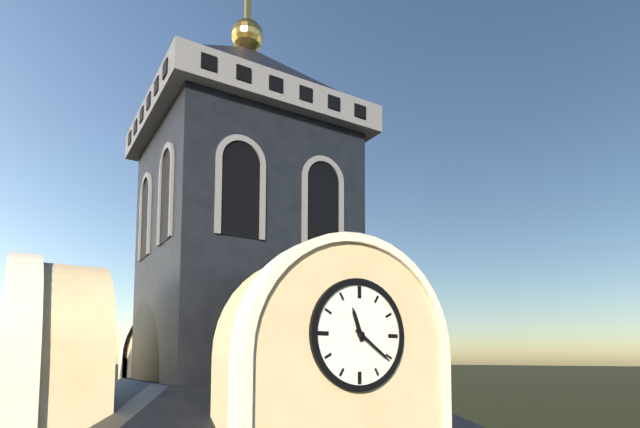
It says 11.21
